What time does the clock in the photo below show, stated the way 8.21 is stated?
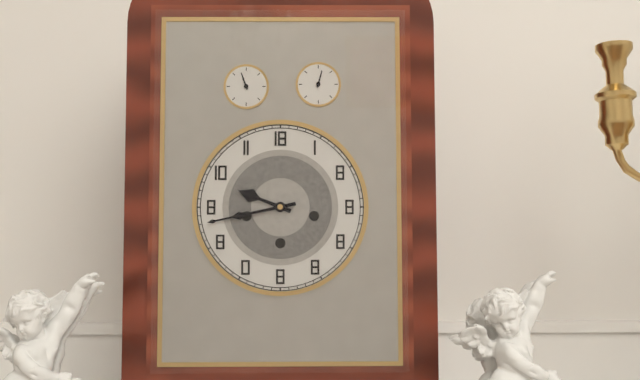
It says 9.43
